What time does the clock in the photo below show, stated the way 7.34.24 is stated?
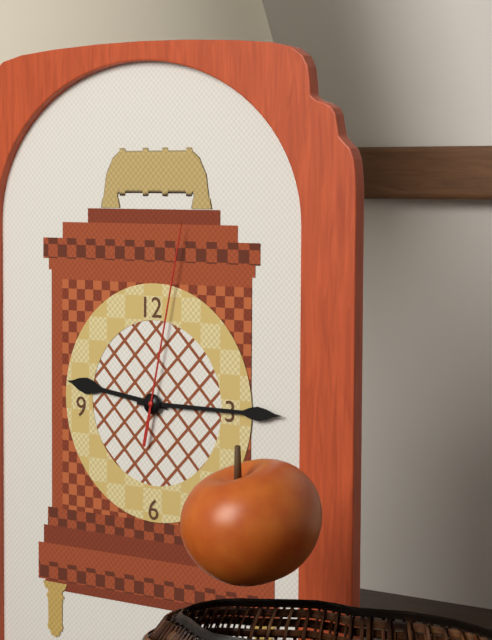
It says 9.15.02
